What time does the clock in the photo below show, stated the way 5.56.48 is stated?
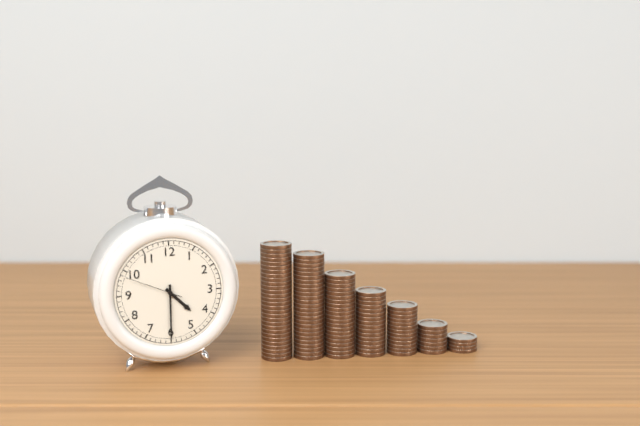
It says 4.30.49
